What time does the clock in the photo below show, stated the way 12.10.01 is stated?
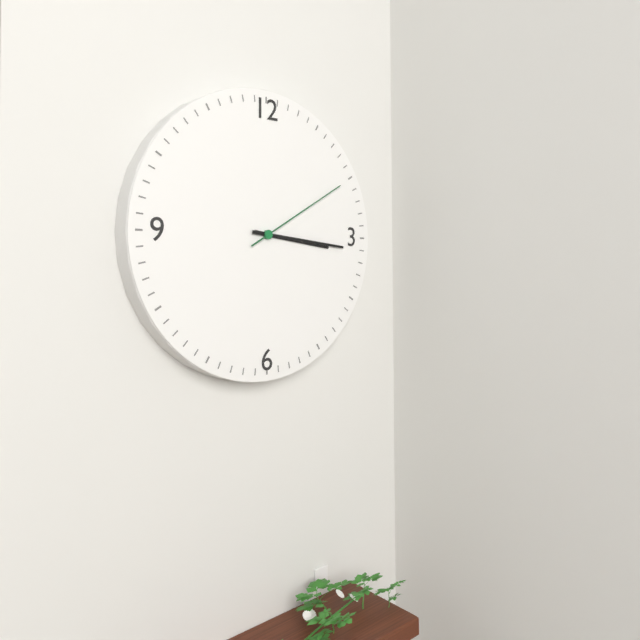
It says 3.16.10
